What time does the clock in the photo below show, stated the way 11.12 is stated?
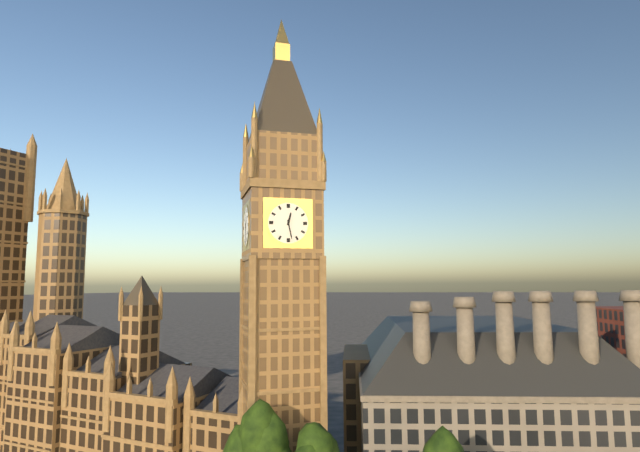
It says 12.28
